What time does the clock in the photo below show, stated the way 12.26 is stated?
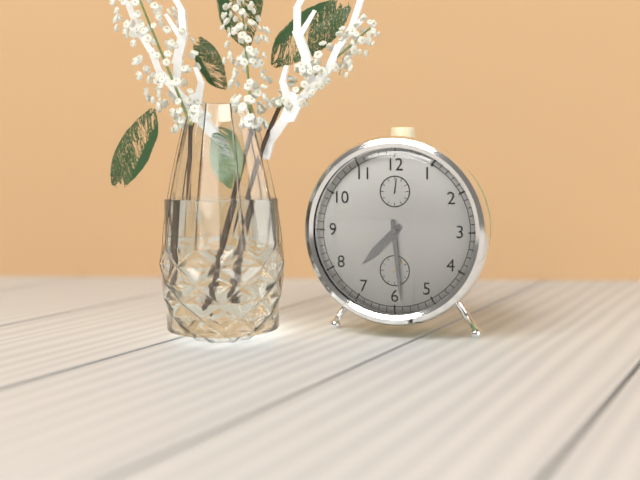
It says 7.29
